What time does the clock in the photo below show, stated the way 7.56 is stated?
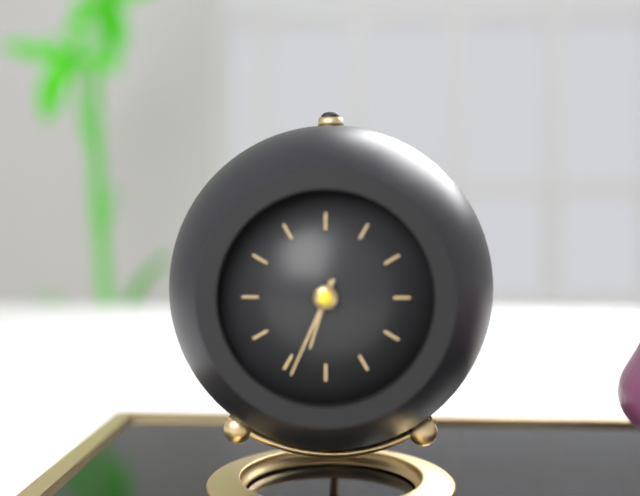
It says 6.34
